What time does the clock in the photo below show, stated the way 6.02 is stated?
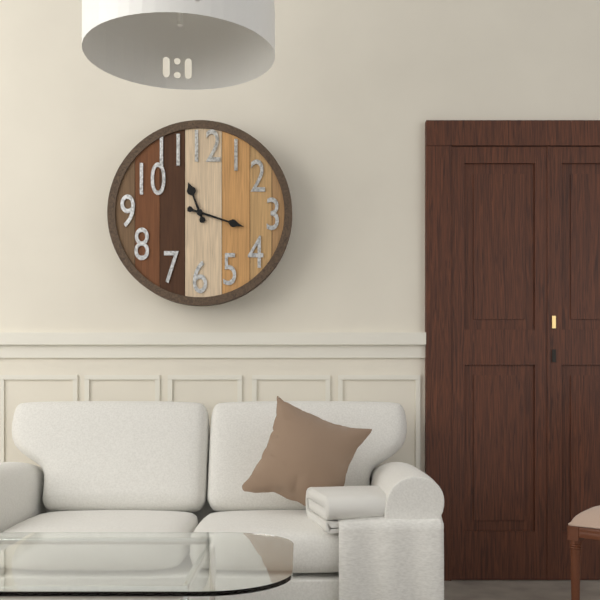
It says 11.18
